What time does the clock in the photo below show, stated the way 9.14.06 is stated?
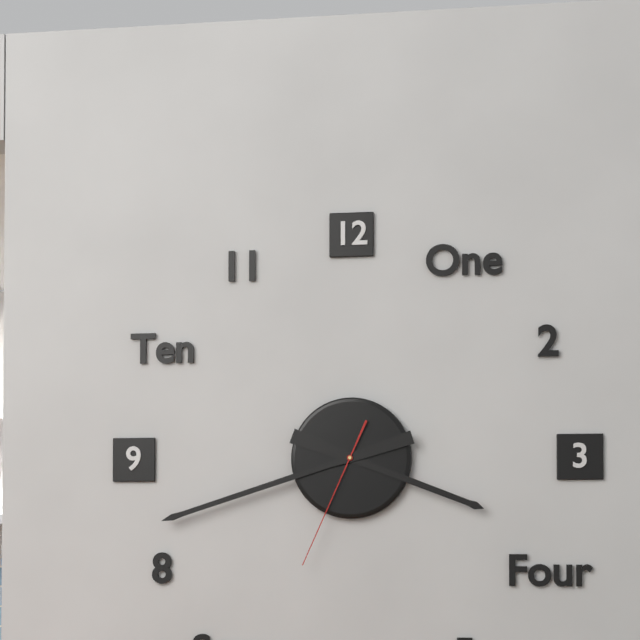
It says 3.42.34
